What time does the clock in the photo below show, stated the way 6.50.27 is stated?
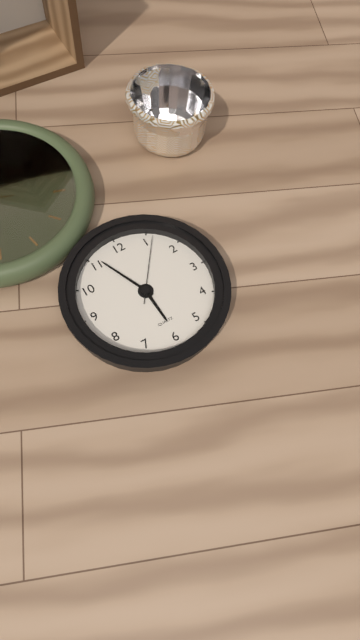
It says 5.56.06
